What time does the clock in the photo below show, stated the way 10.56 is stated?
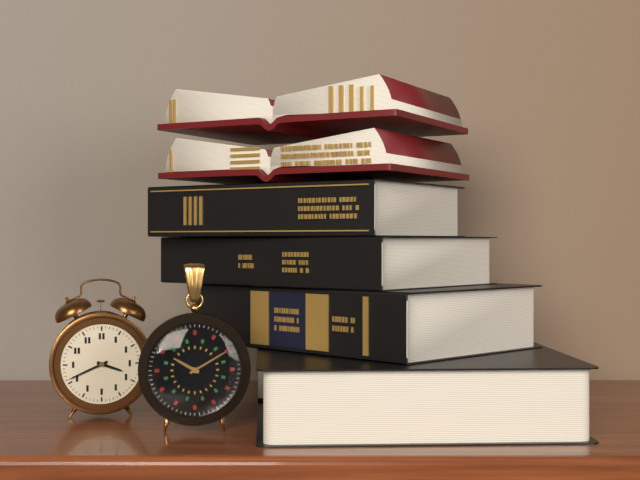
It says 3.41
